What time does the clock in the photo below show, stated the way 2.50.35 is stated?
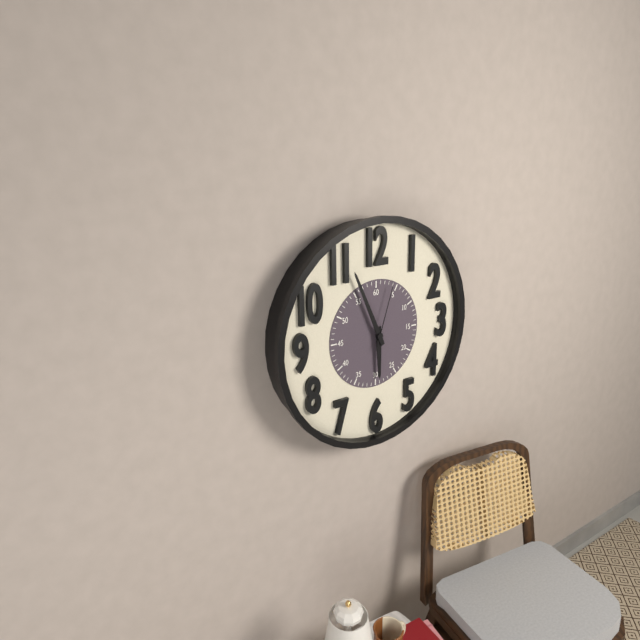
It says 5.56.03
